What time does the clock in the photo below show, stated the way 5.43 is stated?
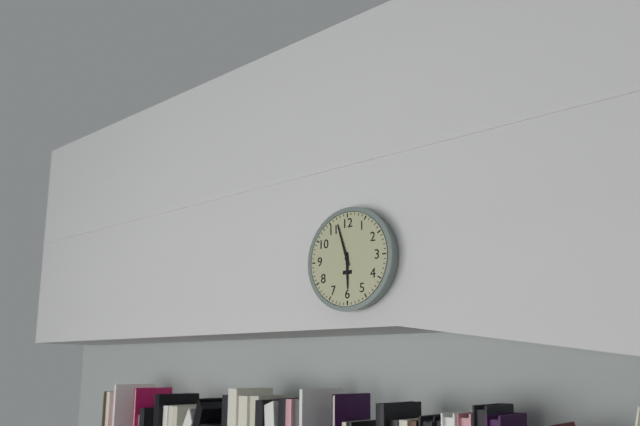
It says 5.57
